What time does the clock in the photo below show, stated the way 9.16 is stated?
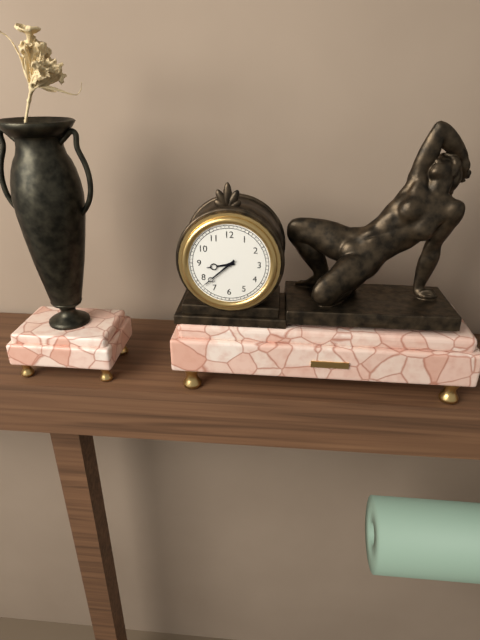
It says 8.38
